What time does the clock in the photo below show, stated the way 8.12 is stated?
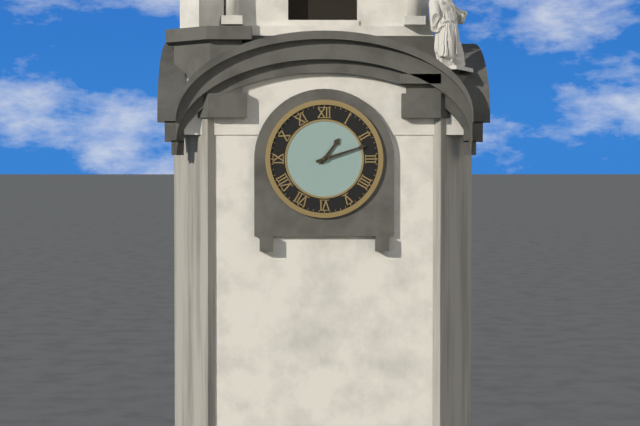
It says 1.12
